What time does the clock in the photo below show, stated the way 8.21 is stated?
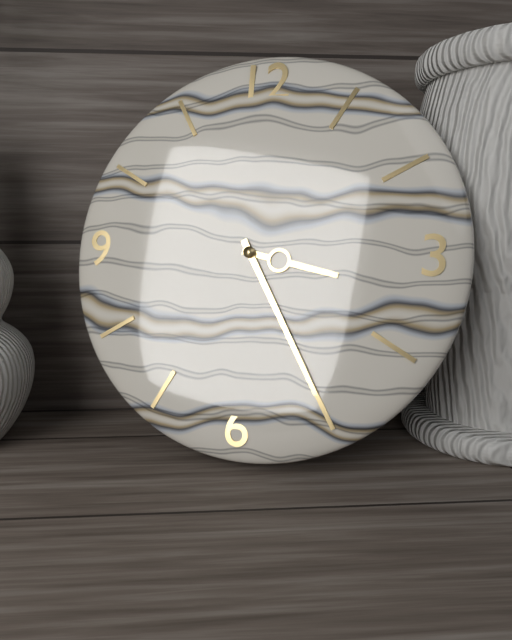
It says 3.25
